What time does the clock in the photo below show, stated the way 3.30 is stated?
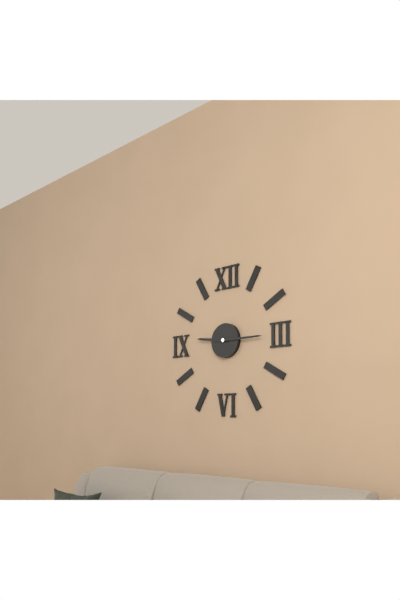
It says 9.15
